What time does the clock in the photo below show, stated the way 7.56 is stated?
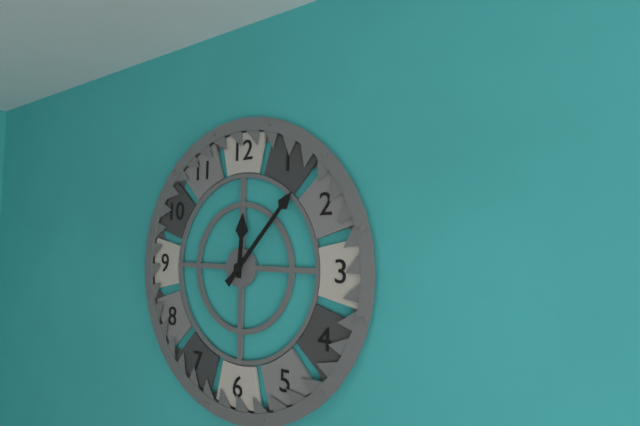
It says 12.07
